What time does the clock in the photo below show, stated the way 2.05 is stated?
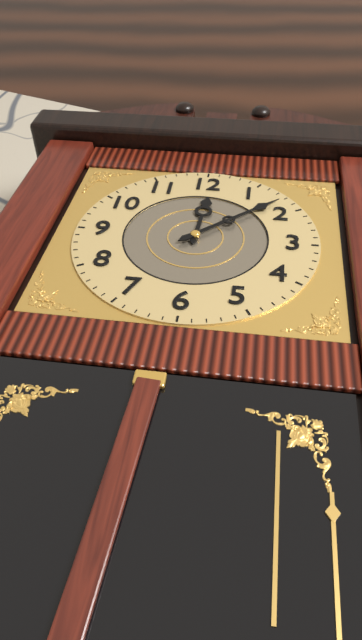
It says 12.08
